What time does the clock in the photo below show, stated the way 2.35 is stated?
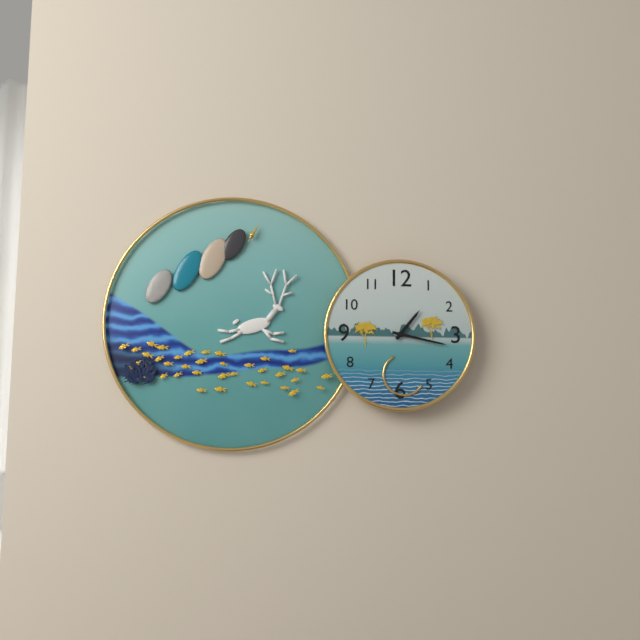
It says 1.17
